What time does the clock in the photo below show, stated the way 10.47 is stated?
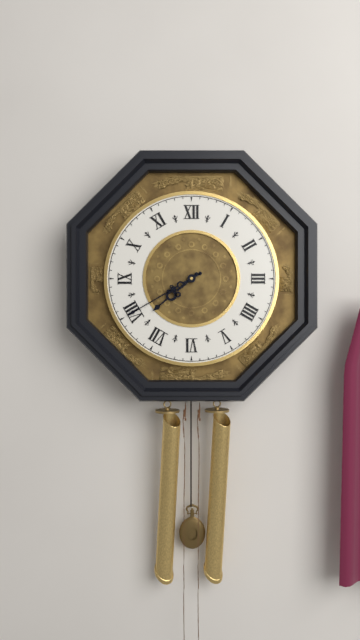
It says 7.40
